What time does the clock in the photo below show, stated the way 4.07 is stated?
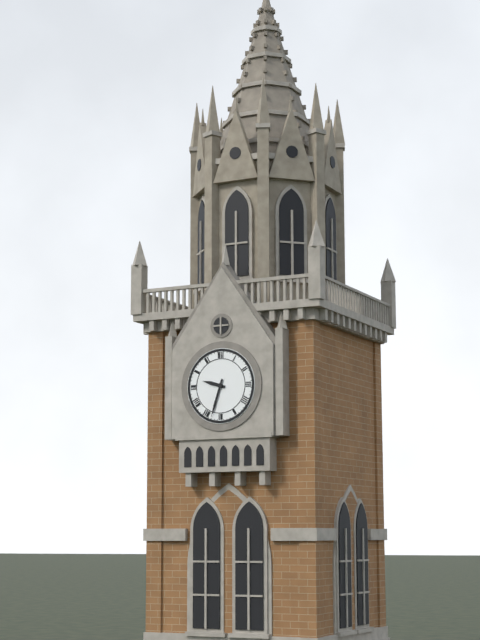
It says 9.33
